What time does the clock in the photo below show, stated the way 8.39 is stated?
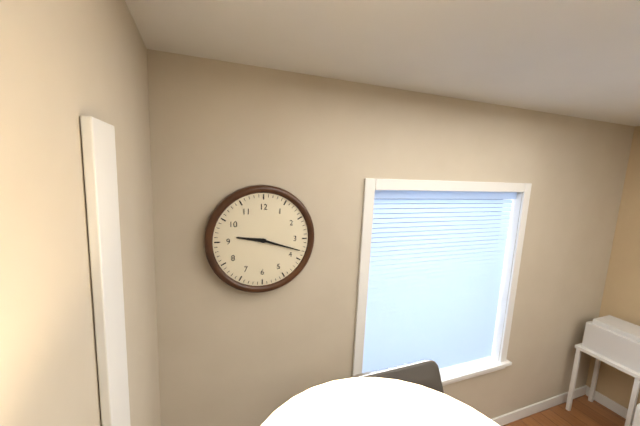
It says 9.18
